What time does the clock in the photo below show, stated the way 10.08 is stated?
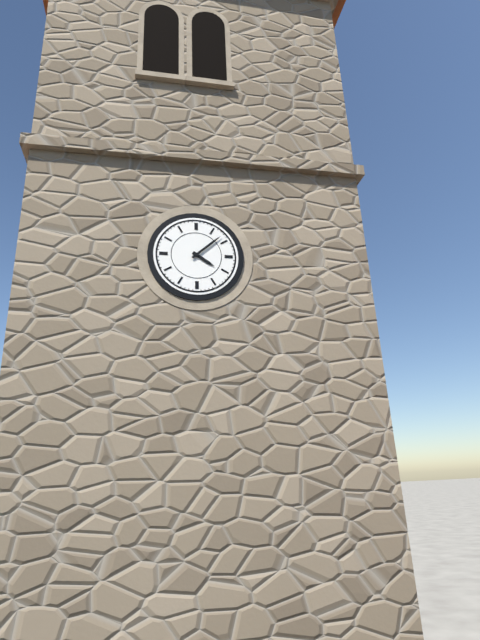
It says 4.08
